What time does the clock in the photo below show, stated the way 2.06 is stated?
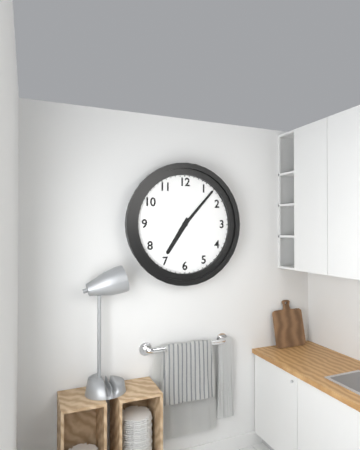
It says 7.07
